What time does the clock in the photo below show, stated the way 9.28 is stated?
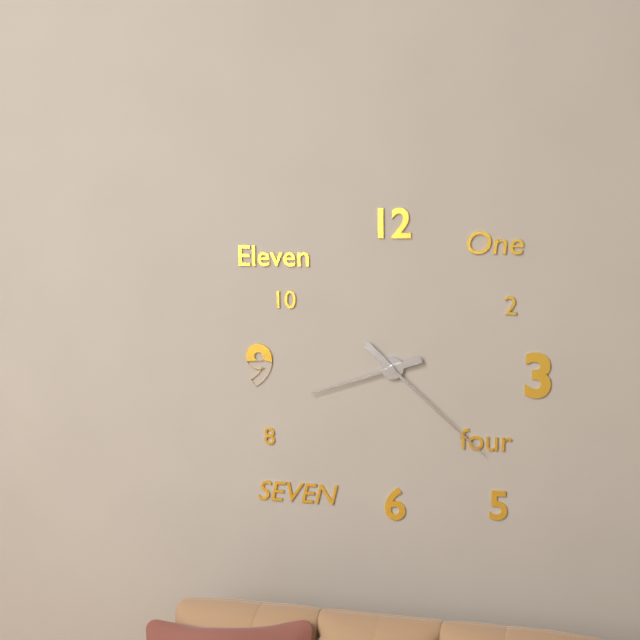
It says 8.22
